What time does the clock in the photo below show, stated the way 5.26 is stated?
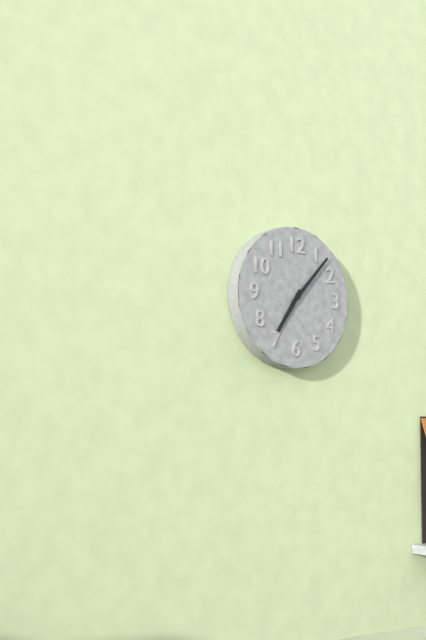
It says 7.07
